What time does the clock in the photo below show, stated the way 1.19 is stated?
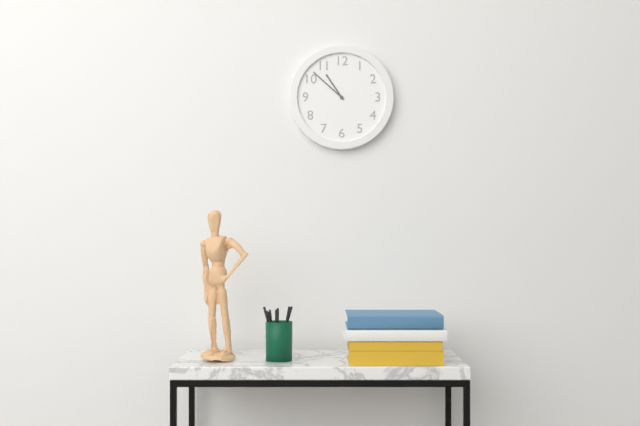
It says 10.52
